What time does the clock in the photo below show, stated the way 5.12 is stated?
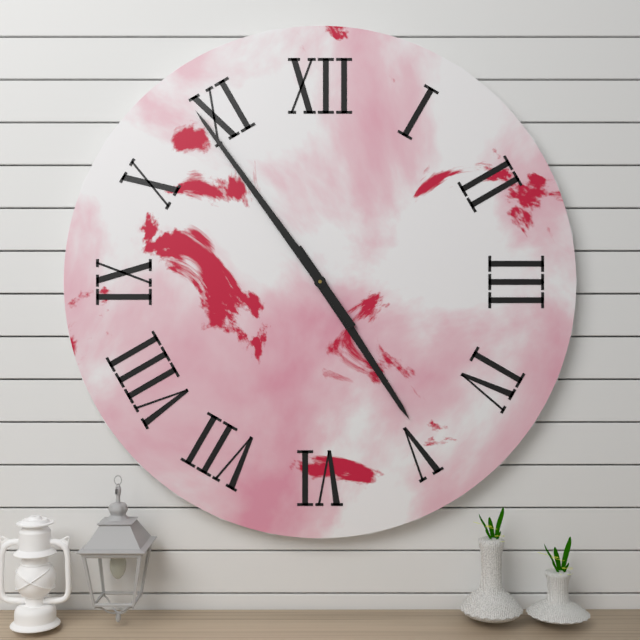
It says 4.54
